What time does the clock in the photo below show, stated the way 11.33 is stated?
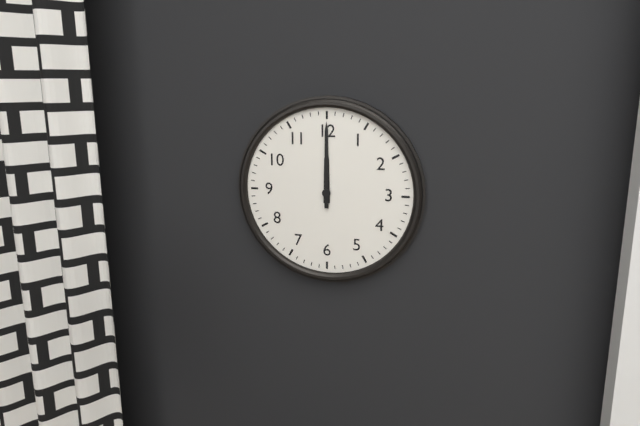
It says 12.00
